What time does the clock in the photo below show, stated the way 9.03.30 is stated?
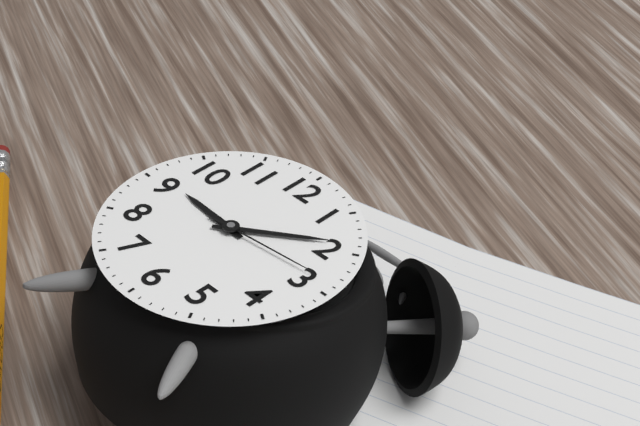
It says 9.09.14
